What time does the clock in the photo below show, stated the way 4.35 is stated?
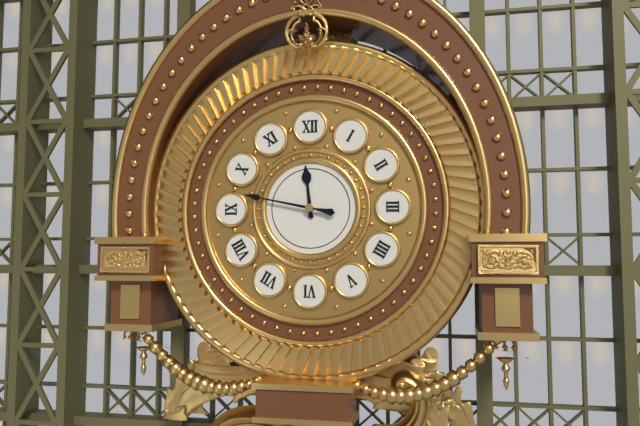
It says 11.47
